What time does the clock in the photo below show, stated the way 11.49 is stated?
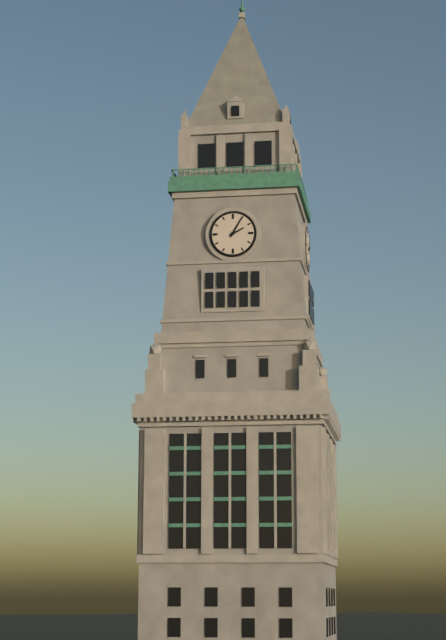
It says 2.05
